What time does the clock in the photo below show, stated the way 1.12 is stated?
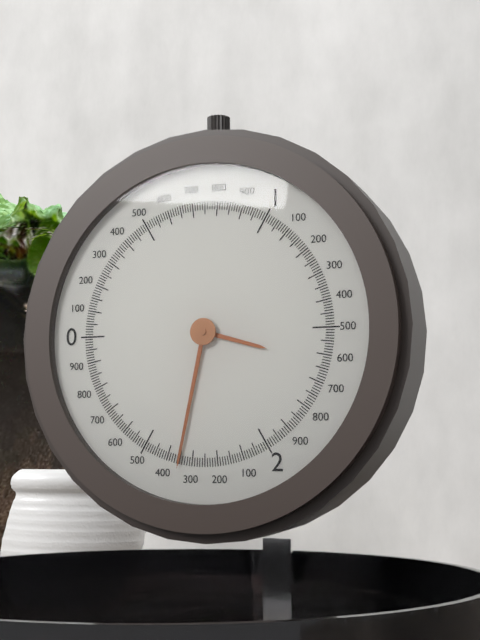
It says 3.32
